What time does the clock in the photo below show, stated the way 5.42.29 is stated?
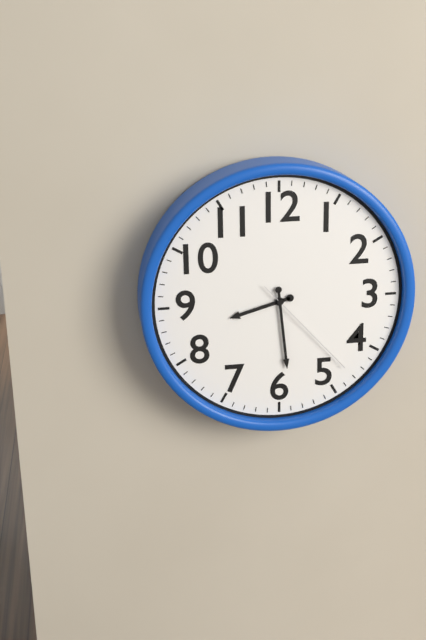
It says 8.29.23
